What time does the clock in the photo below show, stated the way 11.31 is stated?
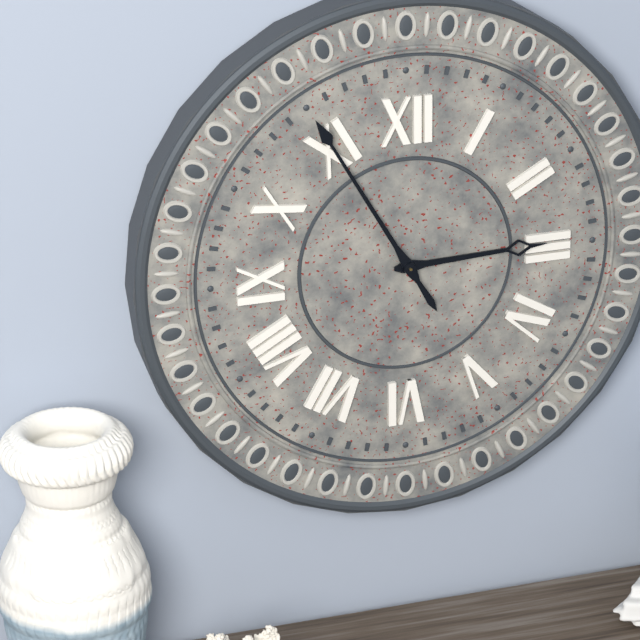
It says 2.55
